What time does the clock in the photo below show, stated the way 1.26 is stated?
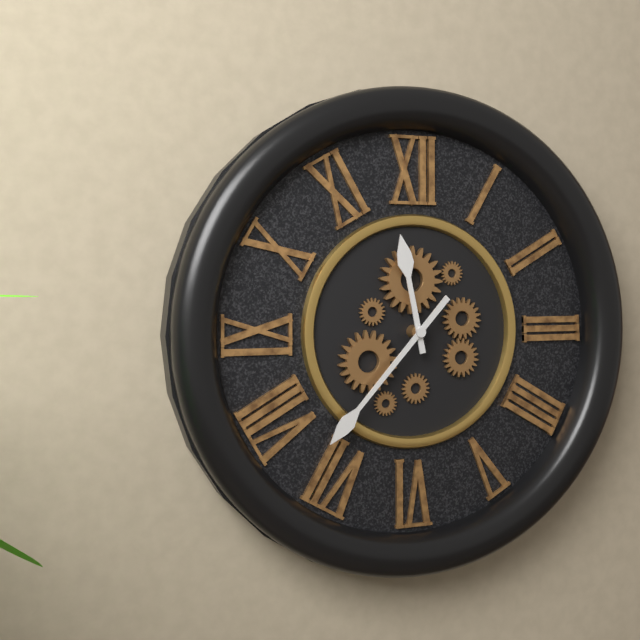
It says 11.37
